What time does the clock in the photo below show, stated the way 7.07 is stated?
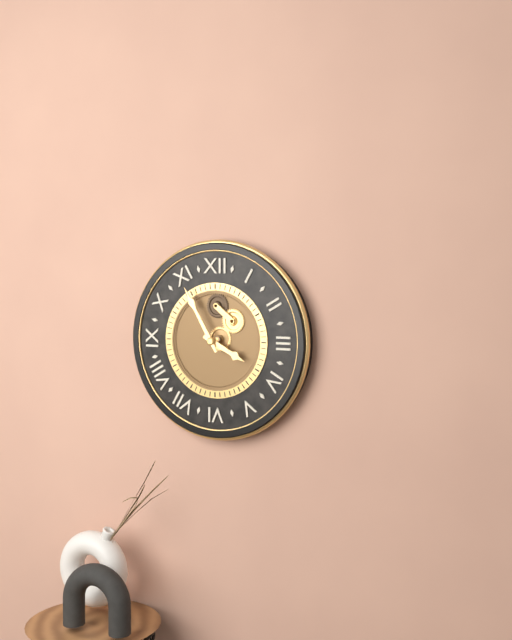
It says 3.55
